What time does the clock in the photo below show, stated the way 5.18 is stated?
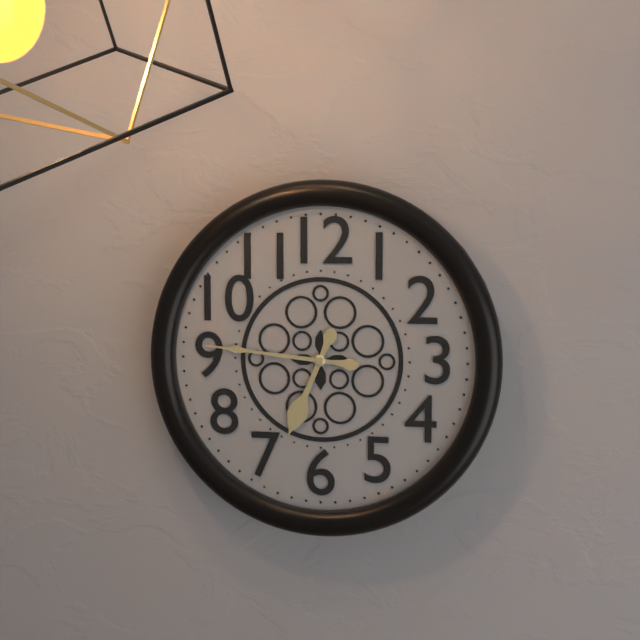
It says 6.46
